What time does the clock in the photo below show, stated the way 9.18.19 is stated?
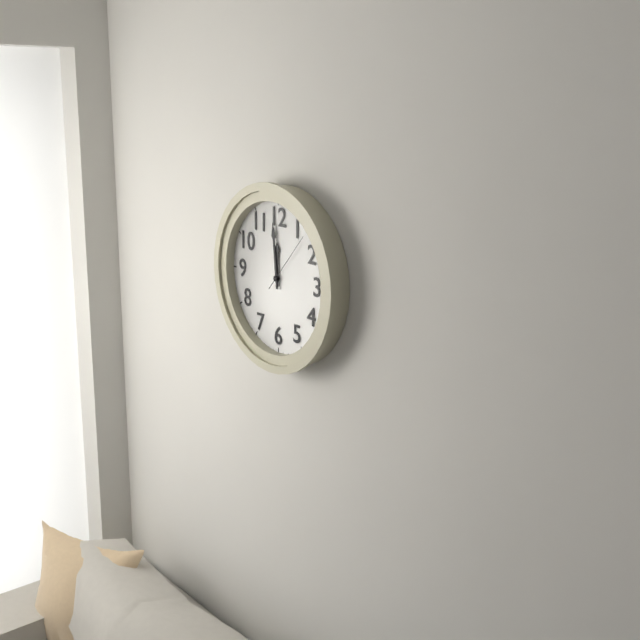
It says 11.59.07
